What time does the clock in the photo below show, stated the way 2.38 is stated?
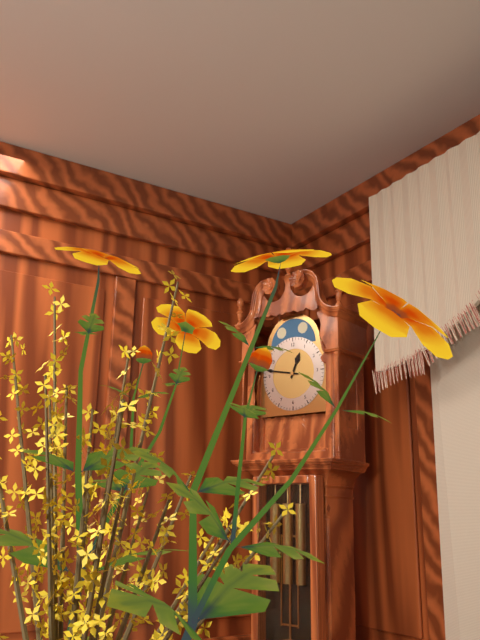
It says 12.47
